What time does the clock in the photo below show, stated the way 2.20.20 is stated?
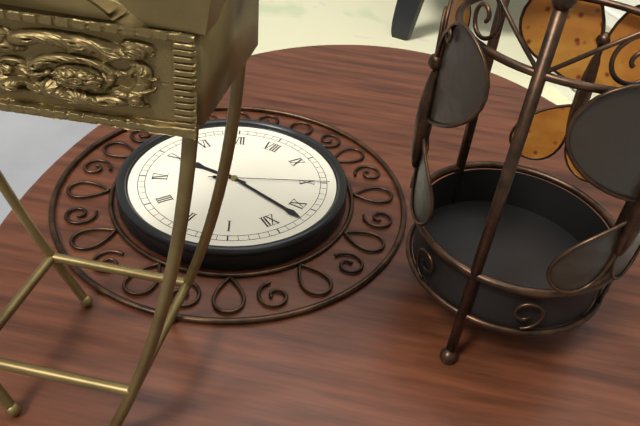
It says 4.57.50
